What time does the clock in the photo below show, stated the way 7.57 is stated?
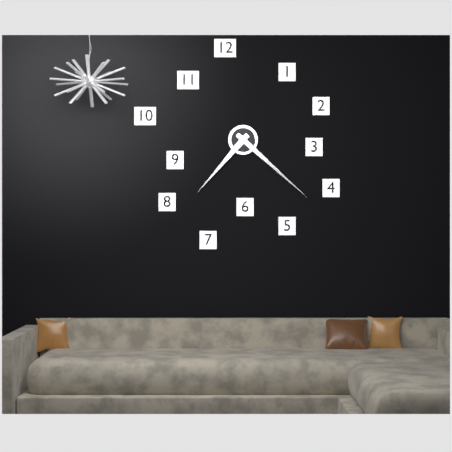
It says 7.22
